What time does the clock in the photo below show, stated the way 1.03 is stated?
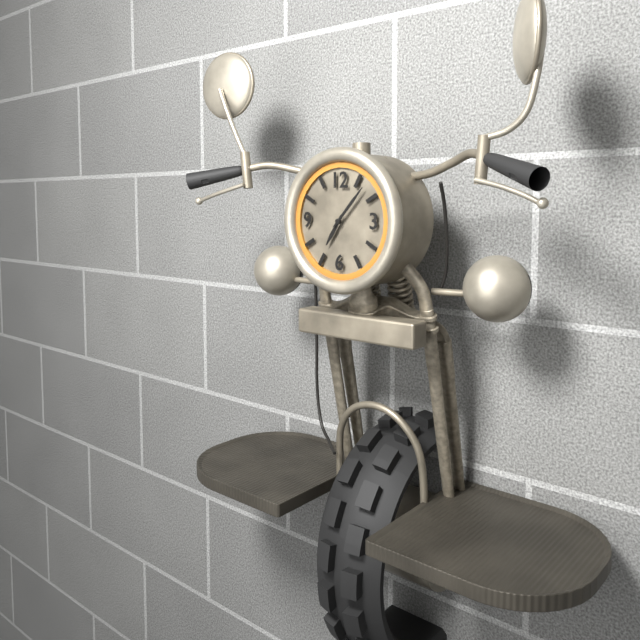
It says 7.07
